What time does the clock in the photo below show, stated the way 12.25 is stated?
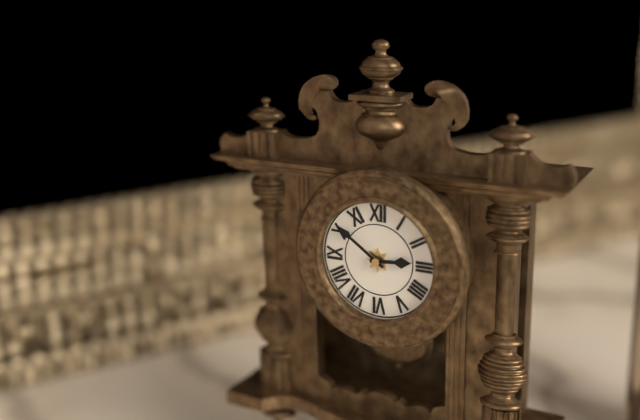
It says 2.51
